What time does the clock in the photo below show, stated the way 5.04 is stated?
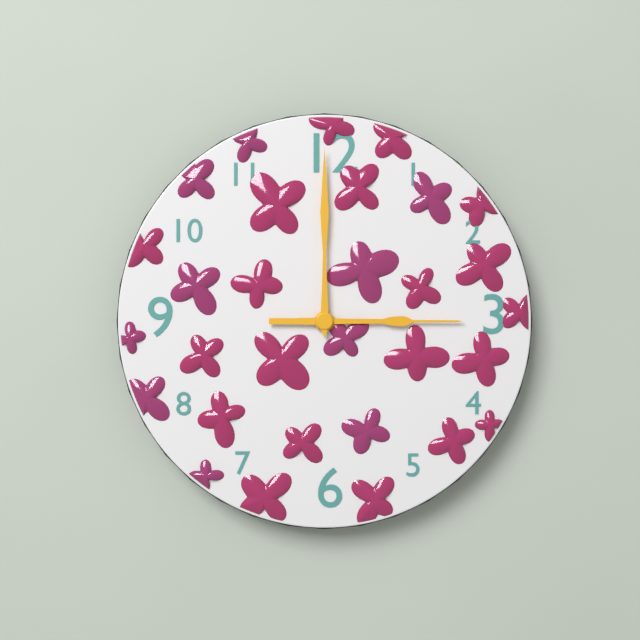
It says 3.00
